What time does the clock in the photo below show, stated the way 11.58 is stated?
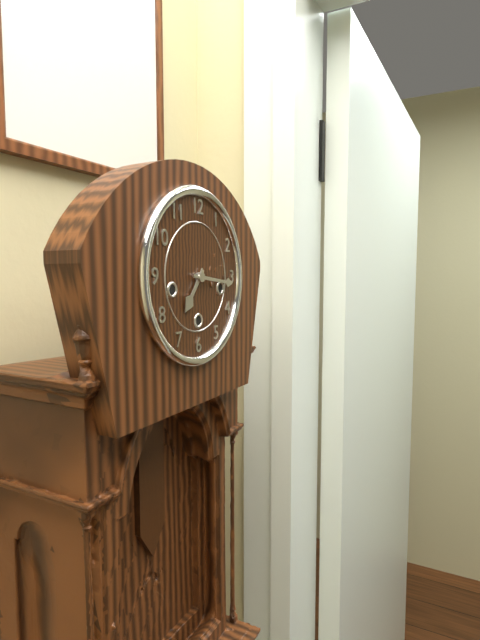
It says 7.16
